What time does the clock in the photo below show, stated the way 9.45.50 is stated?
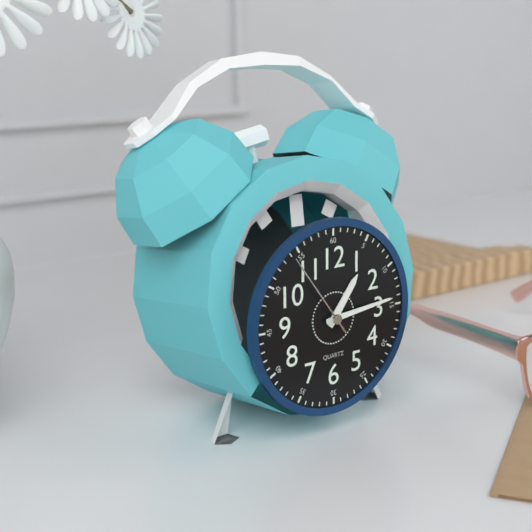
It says 1.14.54
